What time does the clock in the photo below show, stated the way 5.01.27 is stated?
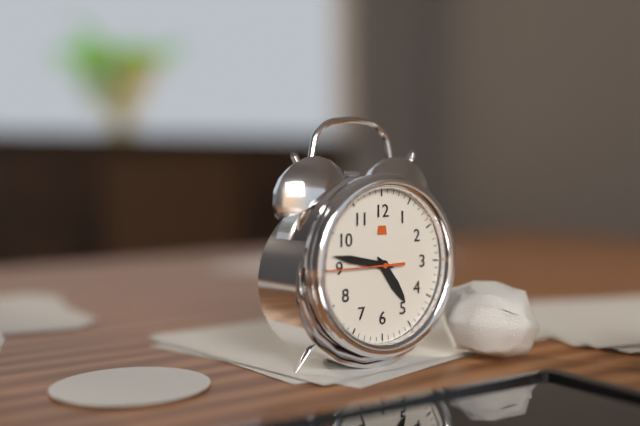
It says 4.47.45
